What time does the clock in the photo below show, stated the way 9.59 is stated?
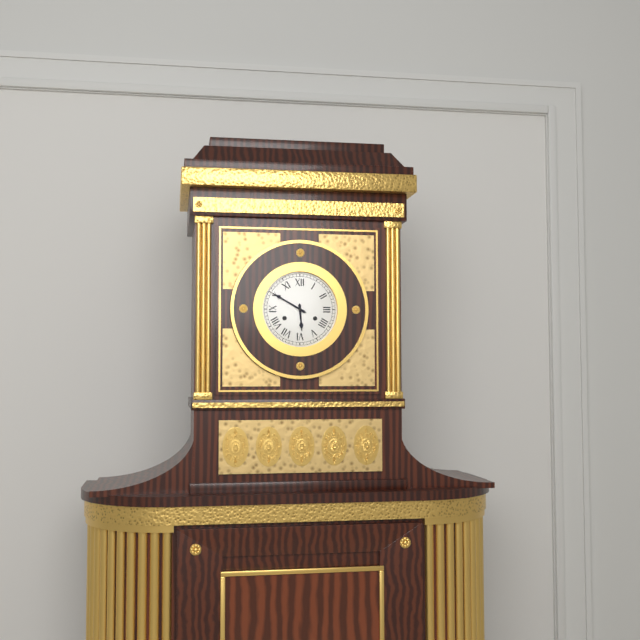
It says 5.50
